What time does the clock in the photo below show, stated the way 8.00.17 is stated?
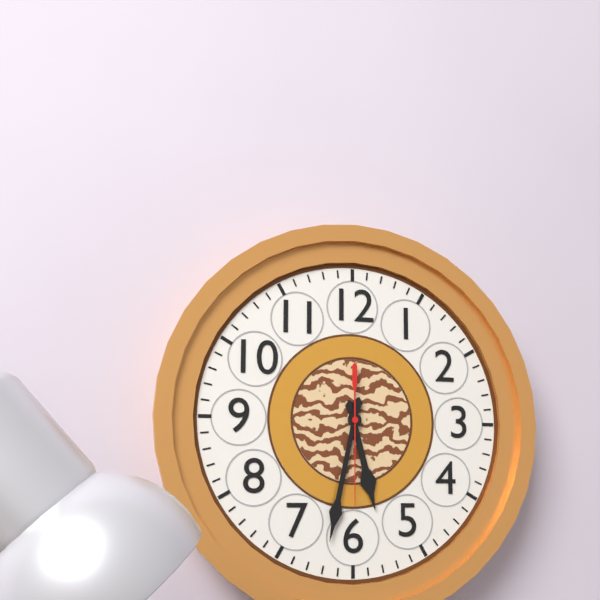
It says 5.32.30
